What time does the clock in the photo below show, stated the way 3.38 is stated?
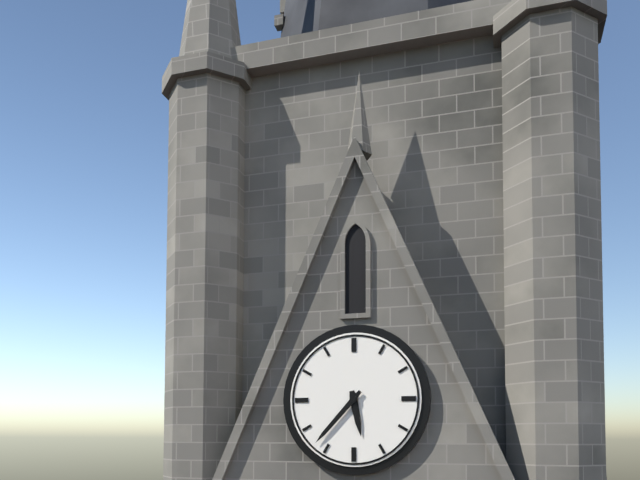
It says 5.37
